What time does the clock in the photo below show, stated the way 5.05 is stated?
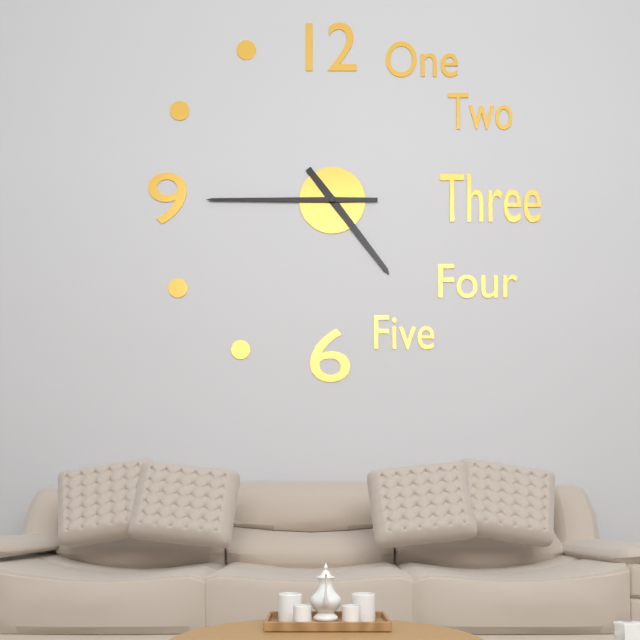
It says 4.45
